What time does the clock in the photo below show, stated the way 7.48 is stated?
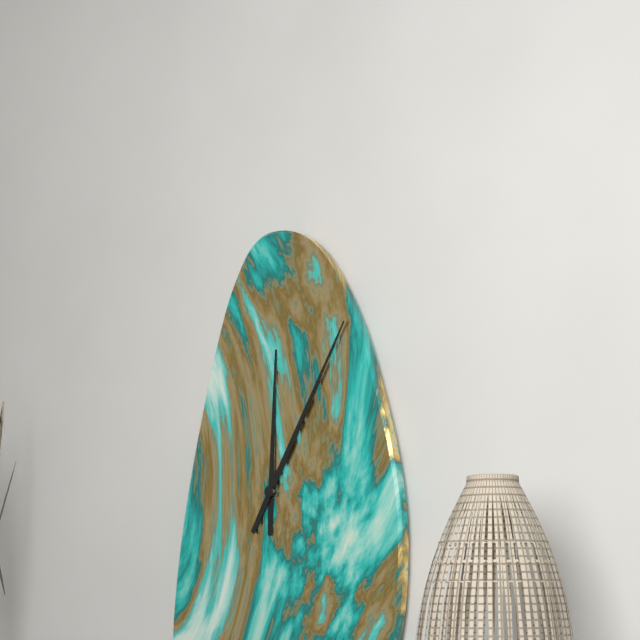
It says 12.05
